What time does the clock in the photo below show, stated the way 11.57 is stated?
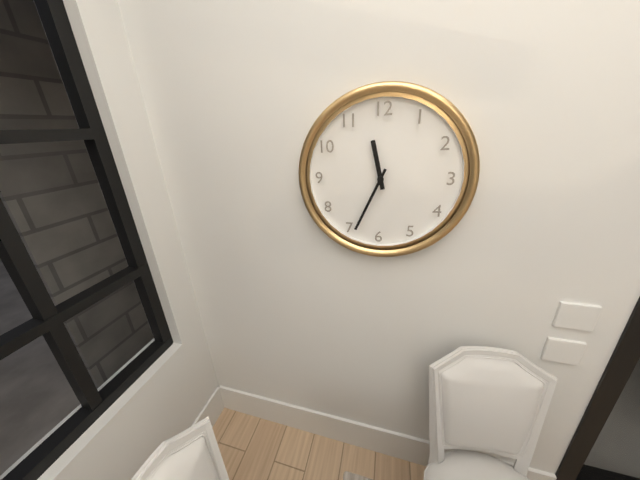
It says 11.34
